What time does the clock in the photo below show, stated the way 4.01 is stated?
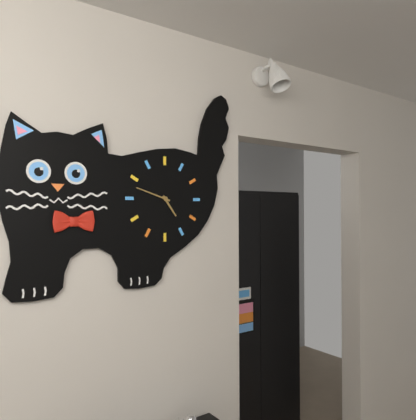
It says 4.48
